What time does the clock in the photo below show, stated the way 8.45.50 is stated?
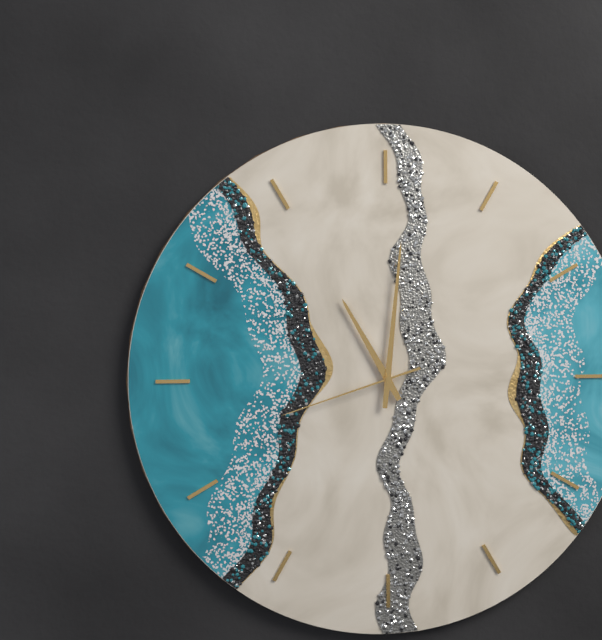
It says 11.01.42
